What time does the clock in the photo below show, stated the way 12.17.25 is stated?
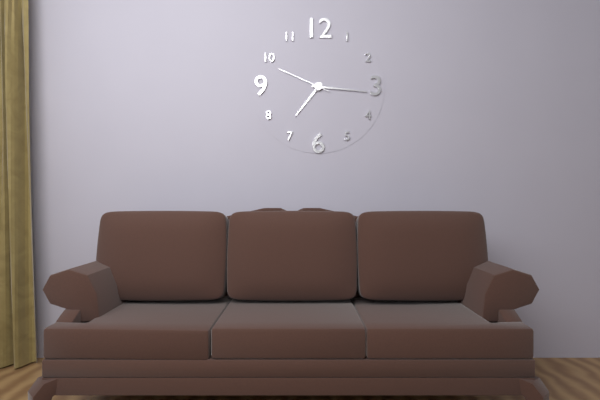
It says 7.16.49
